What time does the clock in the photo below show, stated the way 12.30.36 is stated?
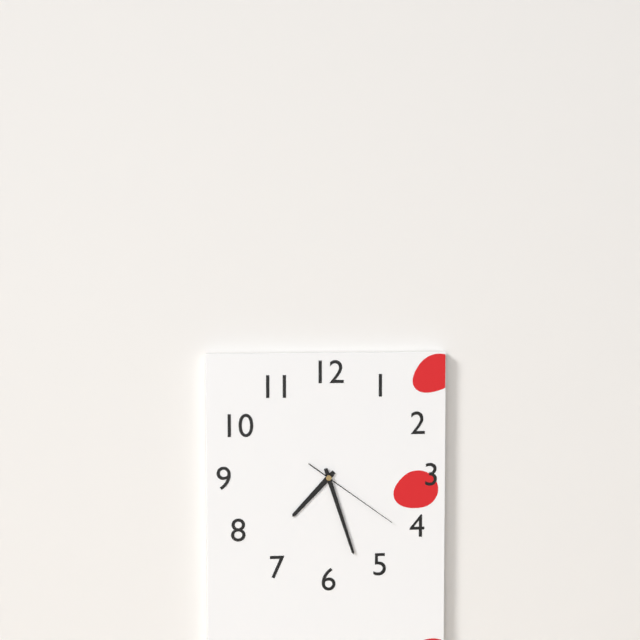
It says 7.27.21
